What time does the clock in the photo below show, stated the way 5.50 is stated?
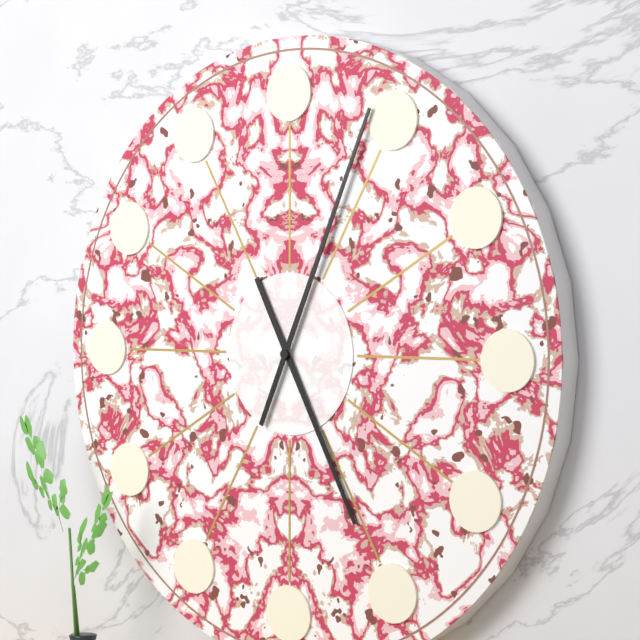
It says 5.04
